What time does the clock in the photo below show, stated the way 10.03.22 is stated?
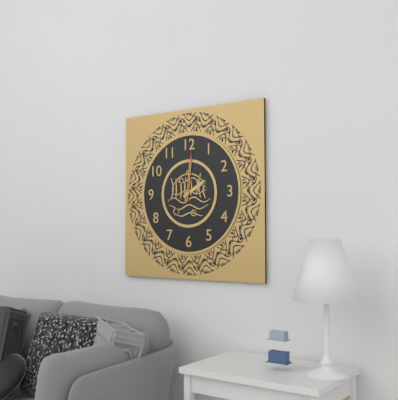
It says 2.01.01
